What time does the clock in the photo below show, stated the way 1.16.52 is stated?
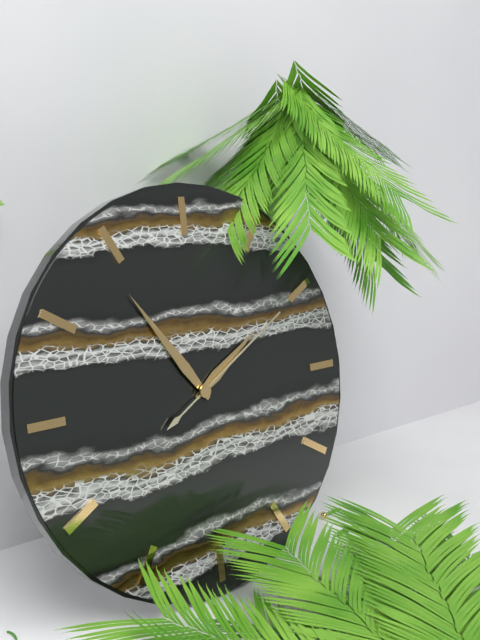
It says 1.54.10
